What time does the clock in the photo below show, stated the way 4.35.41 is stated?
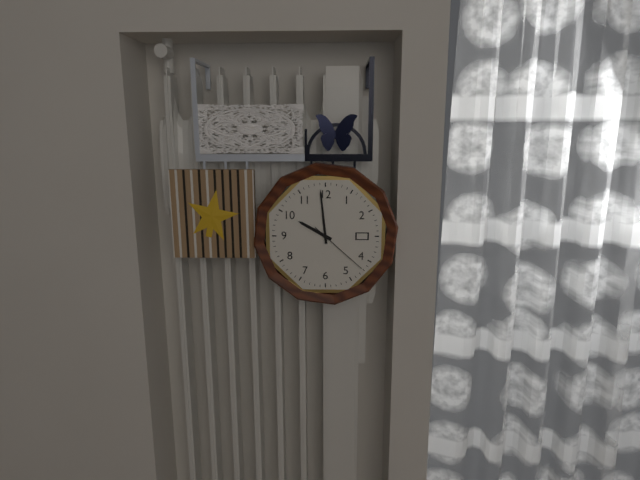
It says 9.59.22
